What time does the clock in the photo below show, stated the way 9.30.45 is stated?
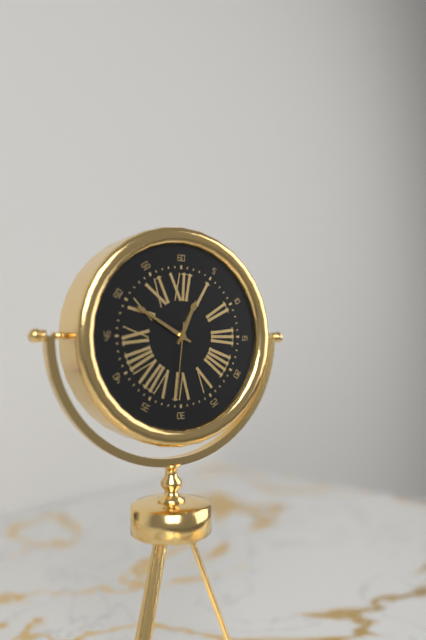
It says 12.50.31
